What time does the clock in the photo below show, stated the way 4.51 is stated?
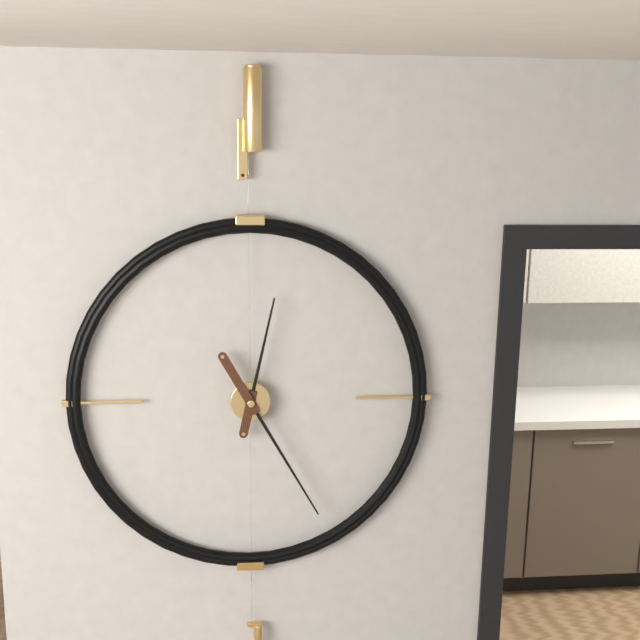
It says 12.25
